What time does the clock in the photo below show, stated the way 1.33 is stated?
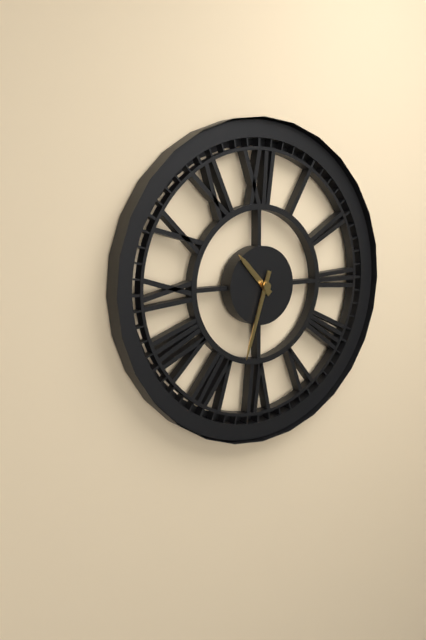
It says 10.33
